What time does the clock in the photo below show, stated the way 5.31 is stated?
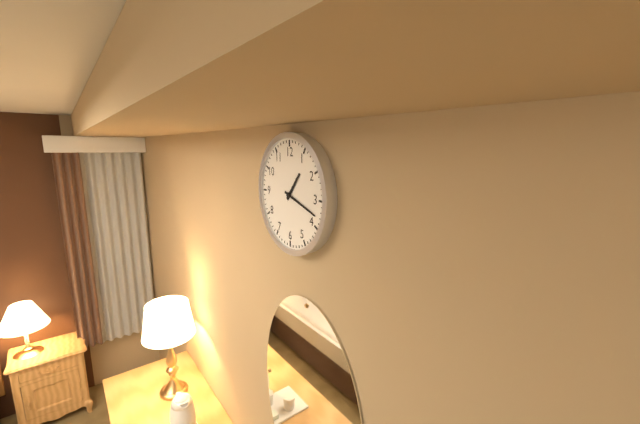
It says 1.18
